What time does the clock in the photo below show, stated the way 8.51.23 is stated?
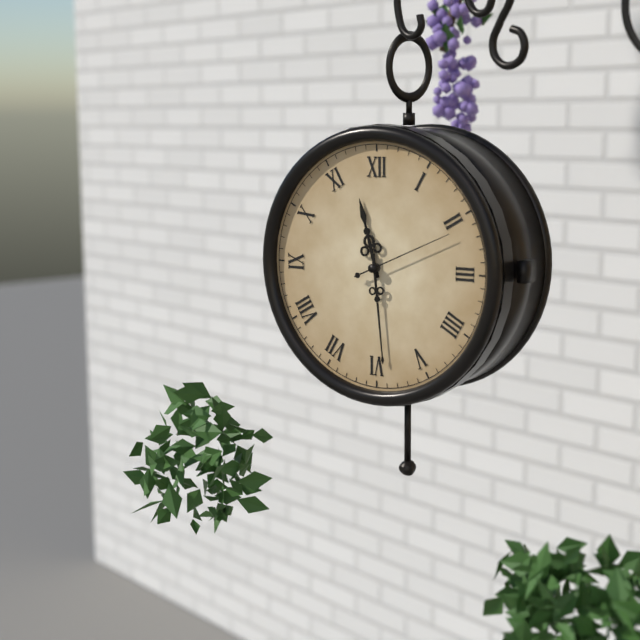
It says 11.29.11
